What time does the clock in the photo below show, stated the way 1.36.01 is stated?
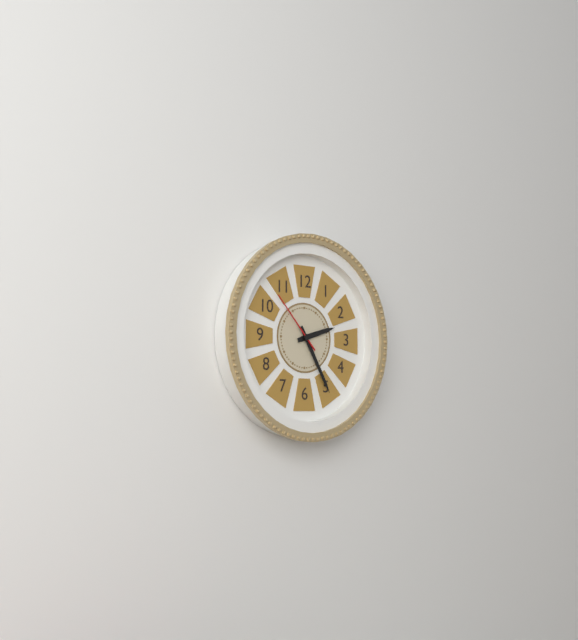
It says 2.25.53
